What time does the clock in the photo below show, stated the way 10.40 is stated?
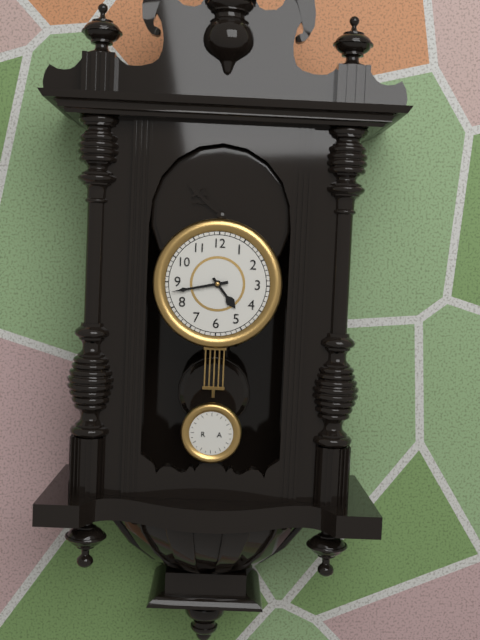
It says 4.43
